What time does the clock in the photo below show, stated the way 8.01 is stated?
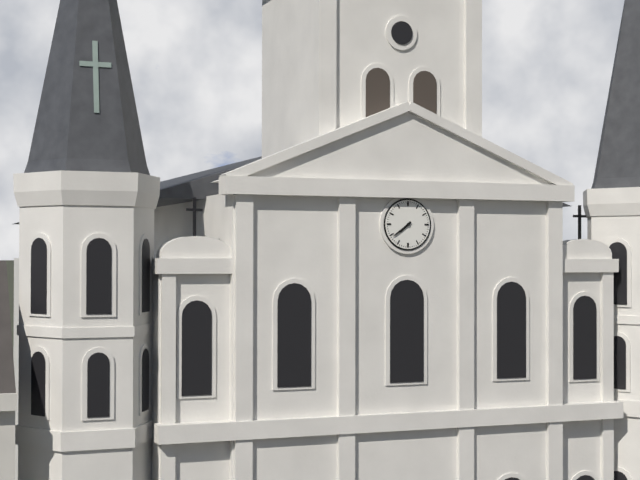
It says 7.39
